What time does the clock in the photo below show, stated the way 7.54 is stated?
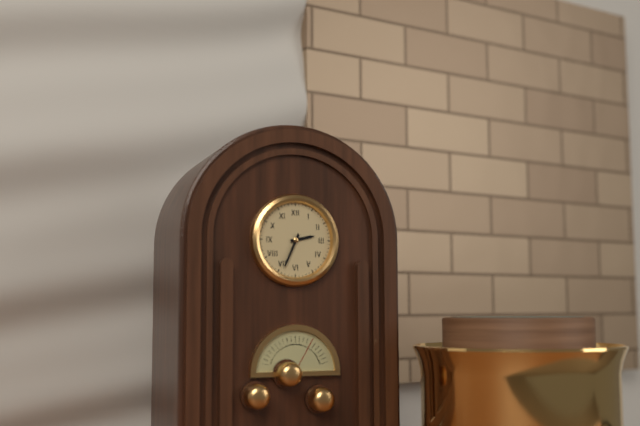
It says 2.34
